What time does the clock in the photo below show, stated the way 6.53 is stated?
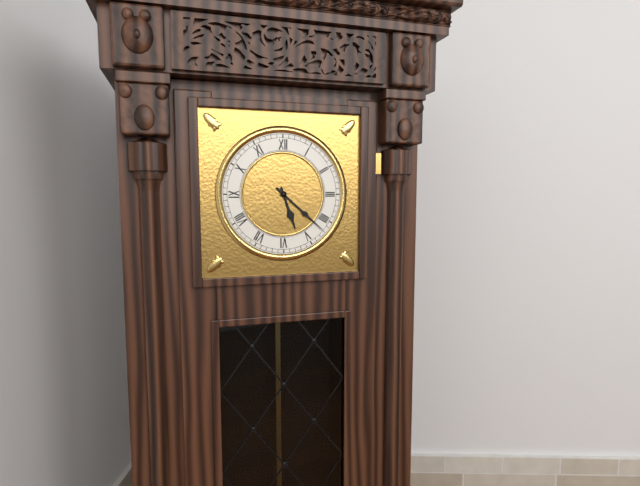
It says 5.22
